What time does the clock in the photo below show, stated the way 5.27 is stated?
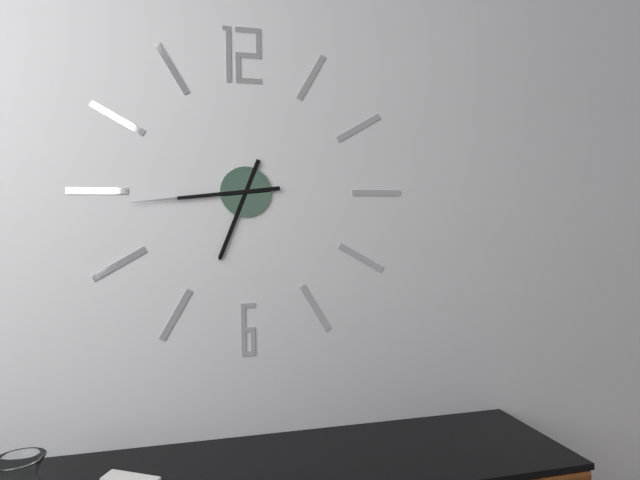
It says 6.44
